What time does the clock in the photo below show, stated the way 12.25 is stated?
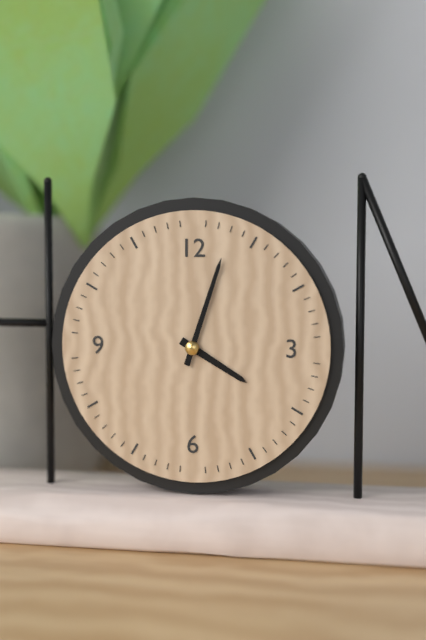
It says 4.03
